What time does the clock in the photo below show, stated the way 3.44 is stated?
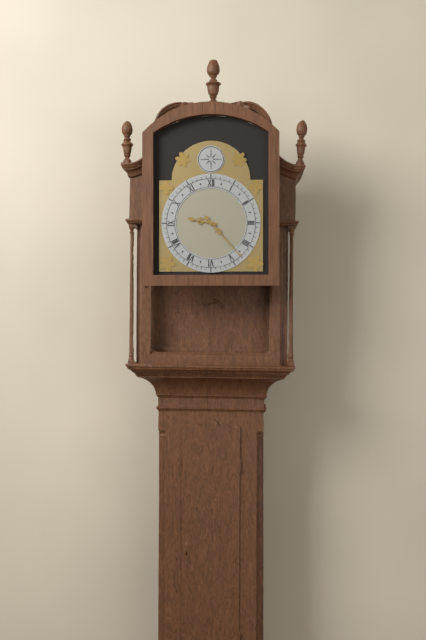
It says 9.23
